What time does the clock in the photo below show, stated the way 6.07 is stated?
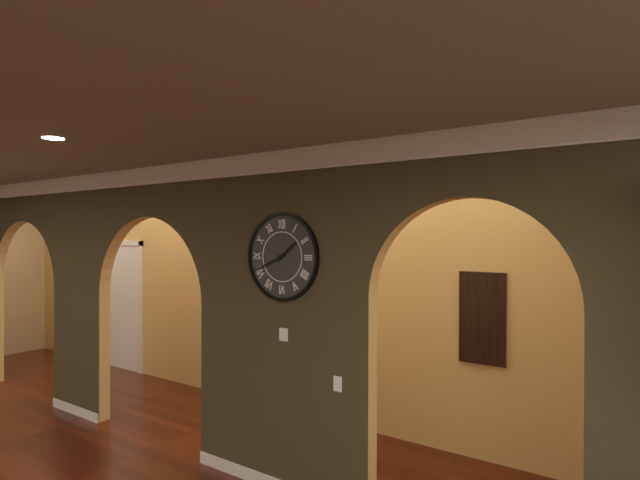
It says 1.41
